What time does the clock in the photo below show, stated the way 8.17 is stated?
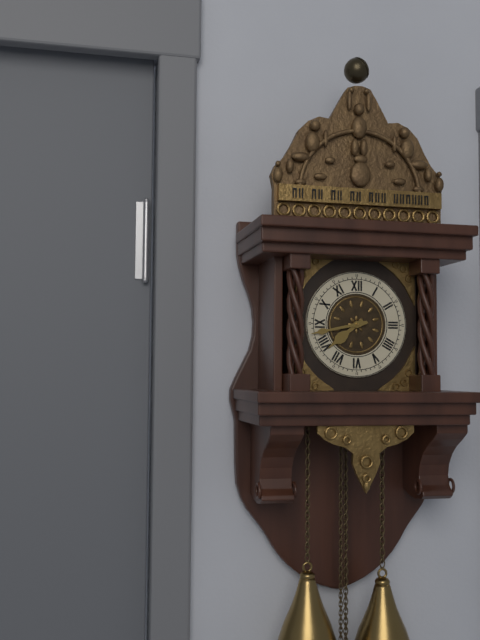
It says 7.43
